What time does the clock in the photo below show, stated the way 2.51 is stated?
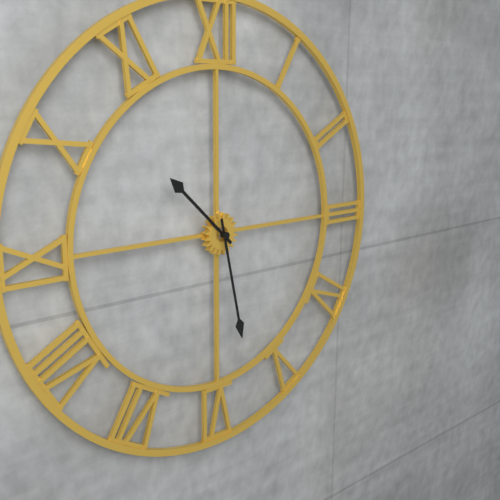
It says 10.28
